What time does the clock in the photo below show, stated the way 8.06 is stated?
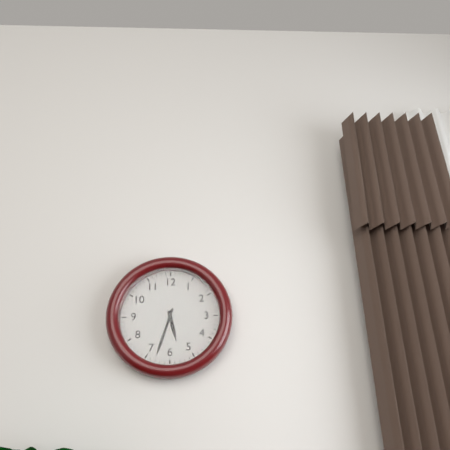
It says 5.33
